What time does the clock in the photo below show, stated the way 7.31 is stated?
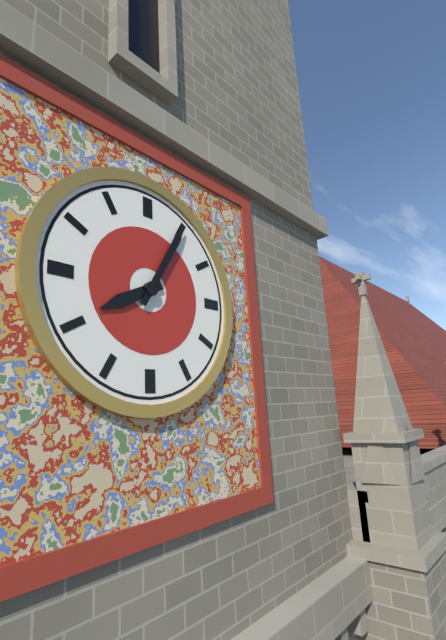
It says 8.05
